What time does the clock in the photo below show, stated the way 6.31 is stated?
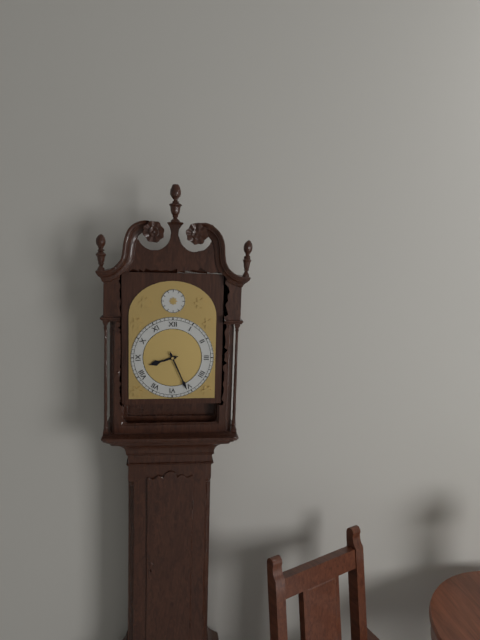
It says 8.26
